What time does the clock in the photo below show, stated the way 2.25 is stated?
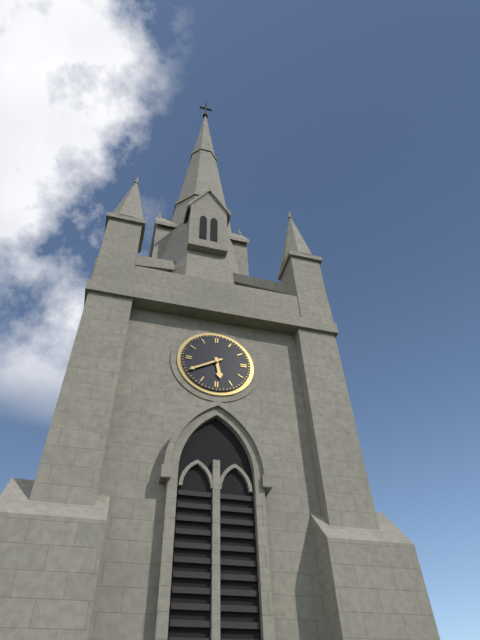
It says 5.40
